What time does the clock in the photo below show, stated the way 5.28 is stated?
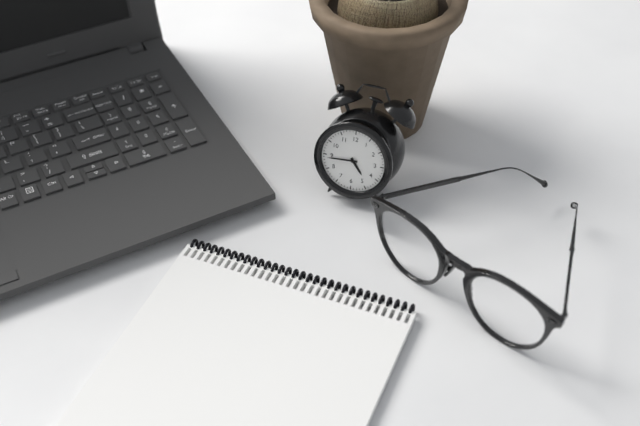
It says 4.44
